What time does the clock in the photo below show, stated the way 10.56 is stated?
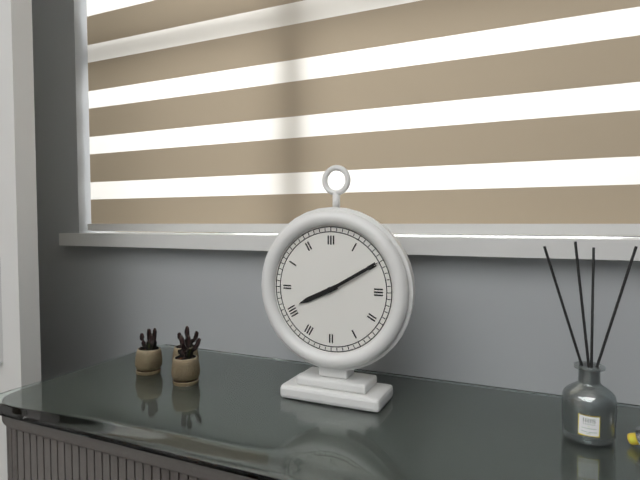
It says 8.10
